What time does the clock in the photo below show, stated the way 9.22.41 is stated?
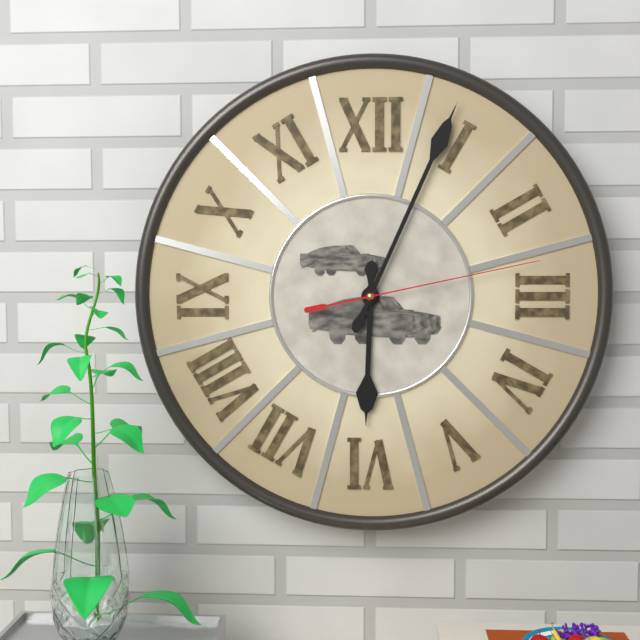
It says 6.04.13
